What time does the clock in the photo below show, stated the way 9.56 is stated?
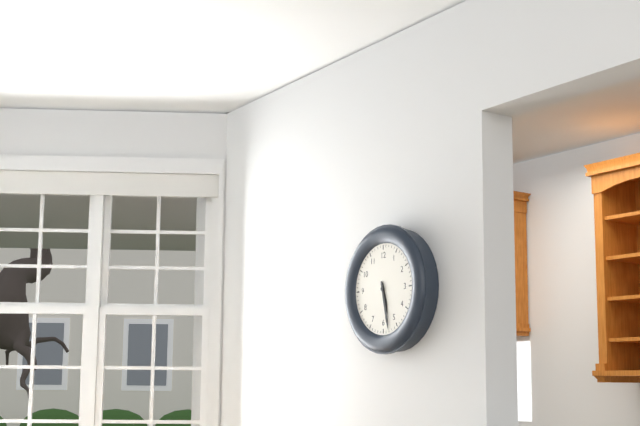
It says 5.28
